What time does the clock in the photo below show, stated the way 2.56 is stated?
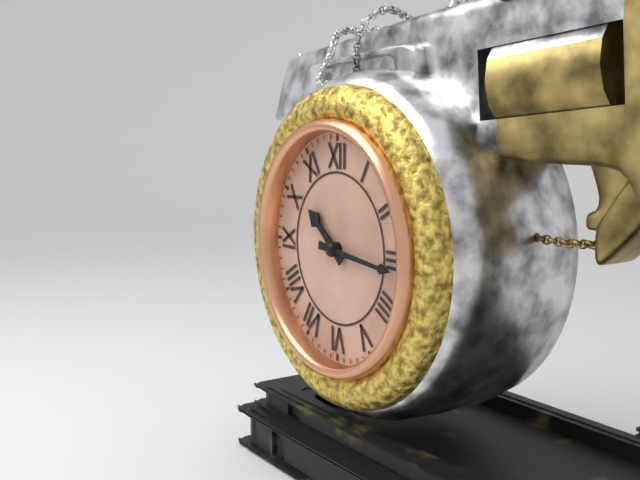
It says 10.16
